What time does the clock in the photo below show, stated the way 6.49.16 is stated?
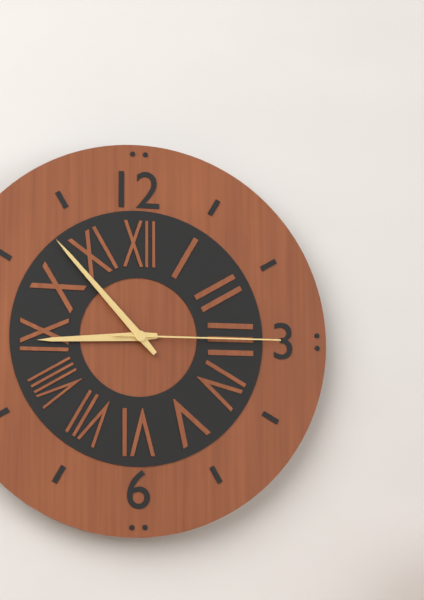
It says 8.53.15
